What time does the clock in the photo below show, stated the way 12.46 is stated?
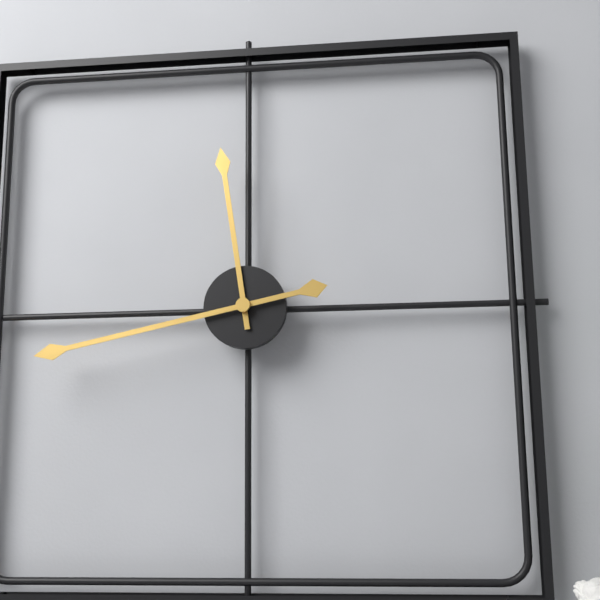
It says 11.43
